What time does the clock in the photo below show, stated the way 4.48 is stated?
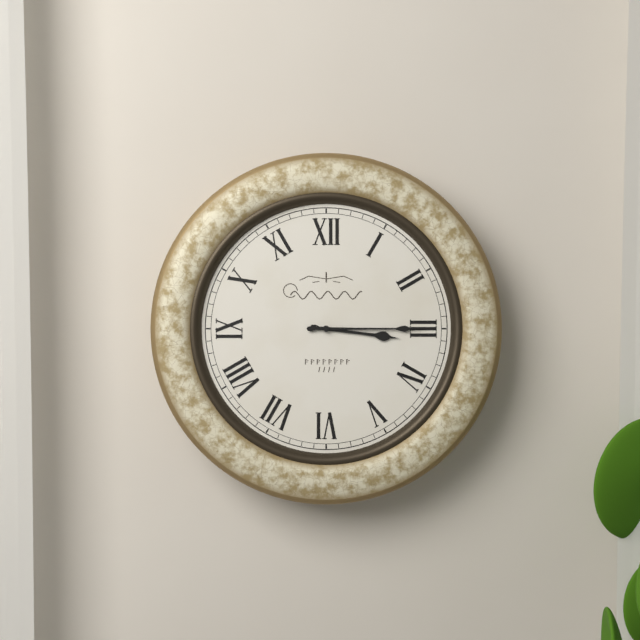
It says 3.15
